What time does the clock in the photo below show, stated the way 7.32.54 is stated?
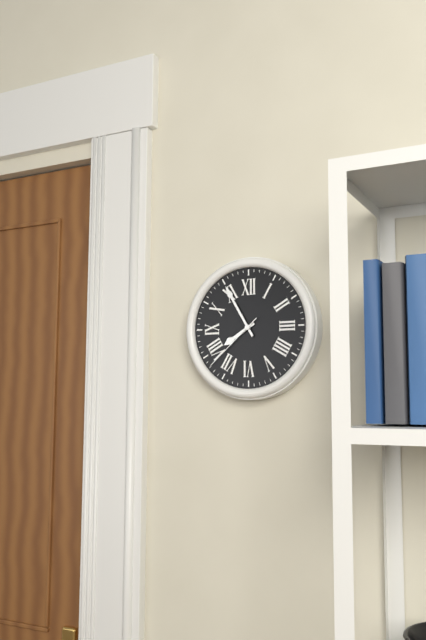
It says 7.55.38
